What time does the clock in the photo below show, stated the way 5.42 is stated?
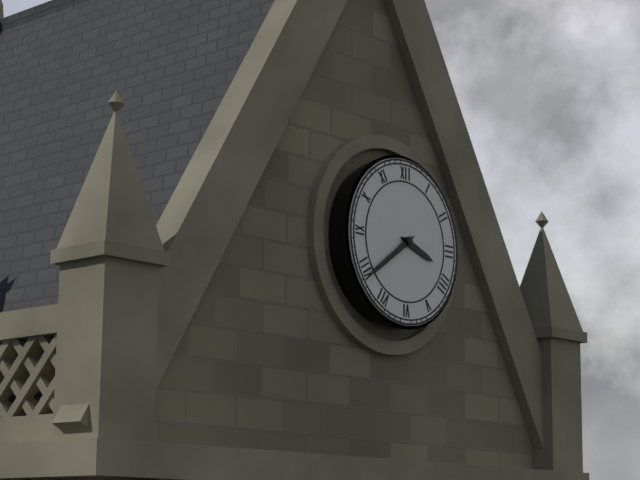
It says 3.39
